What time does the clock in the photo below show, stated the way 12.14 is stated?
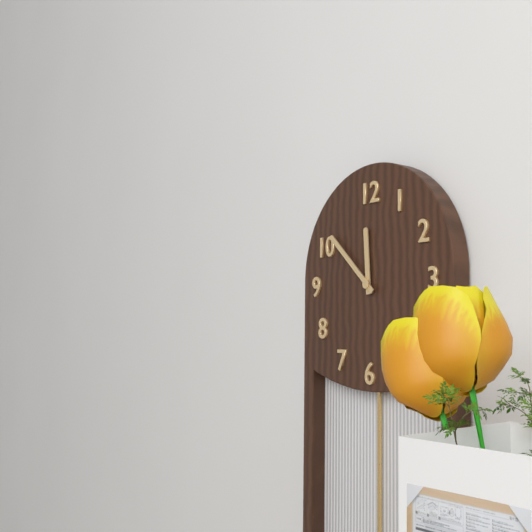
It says 11.52
